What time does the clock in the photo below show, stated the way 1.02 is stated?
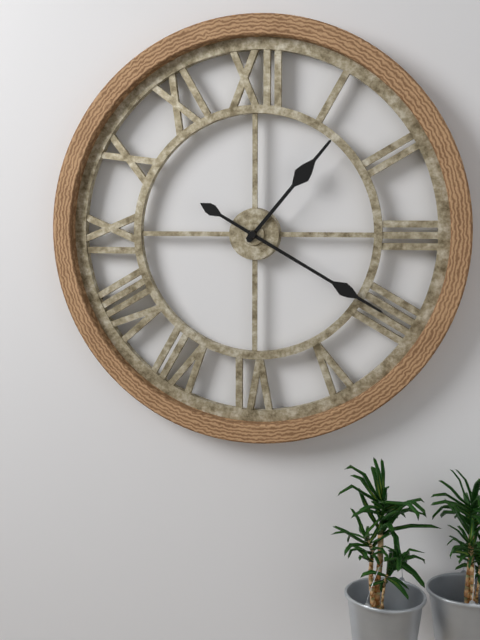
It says 1.20
